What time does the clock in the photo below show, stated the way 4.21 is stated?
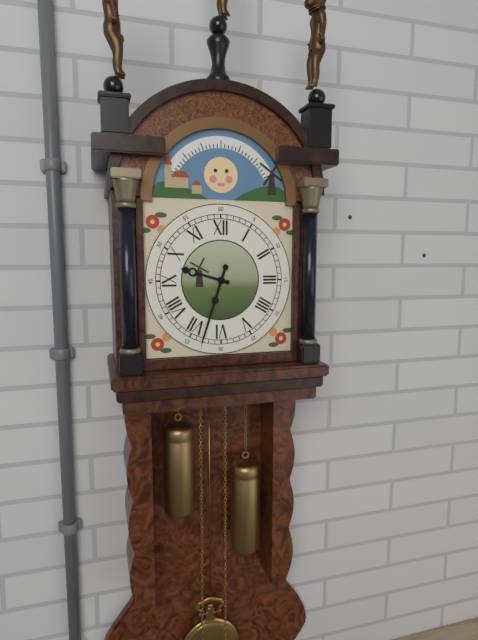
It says 9.33
